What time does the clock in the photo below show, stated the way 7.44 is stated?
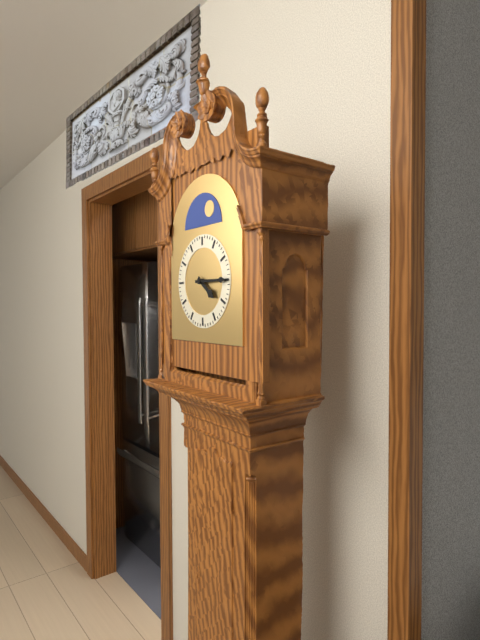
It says 4.15
